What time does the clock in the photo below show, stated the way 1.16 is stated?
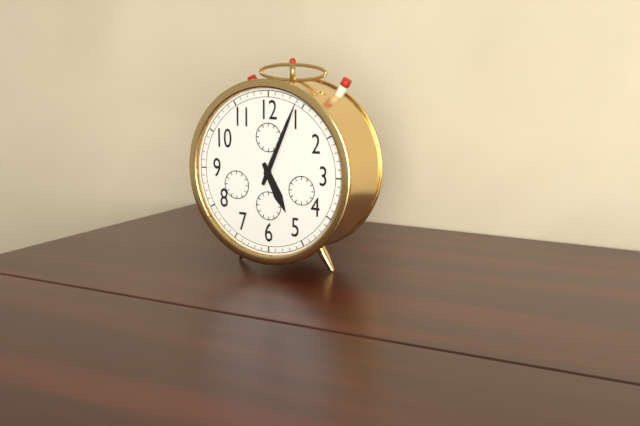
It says 5.04
